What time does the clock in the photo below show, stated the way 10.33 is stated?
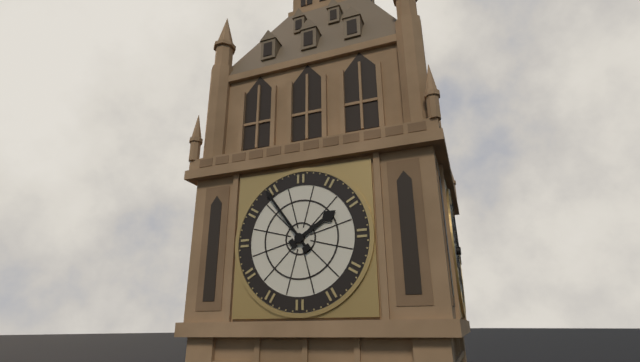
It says 1.54
